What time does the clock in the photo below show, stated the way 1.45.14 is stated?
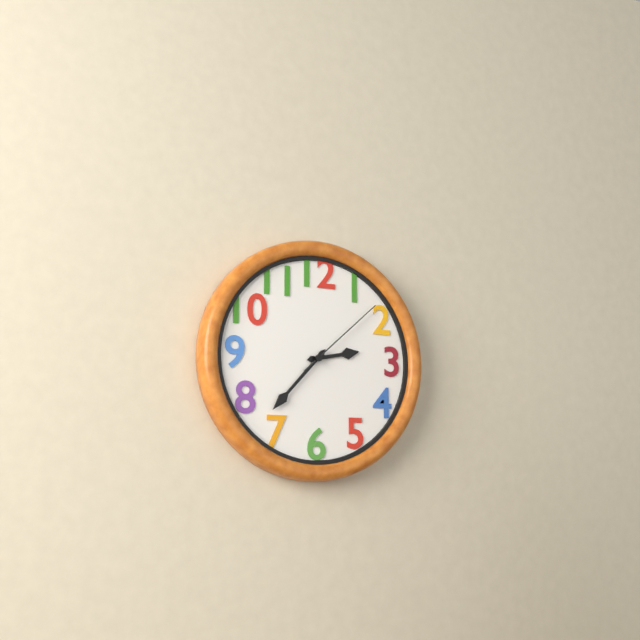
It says 2.37.08
